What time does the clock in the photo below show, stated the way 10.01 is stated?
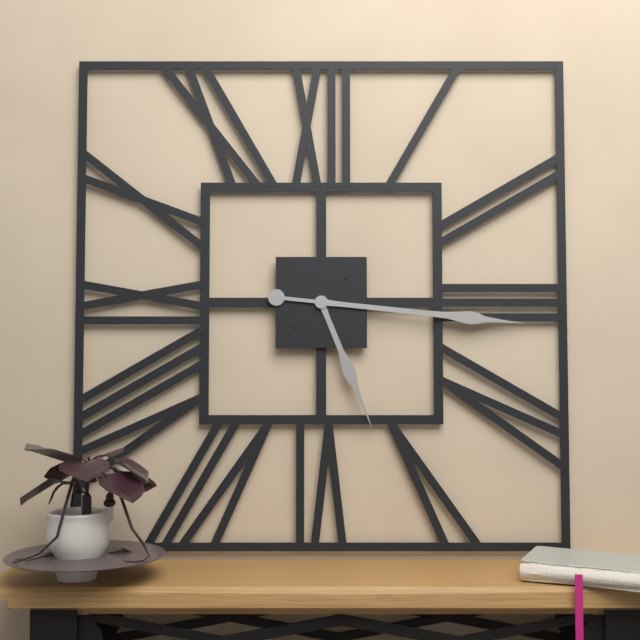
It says 5.16
